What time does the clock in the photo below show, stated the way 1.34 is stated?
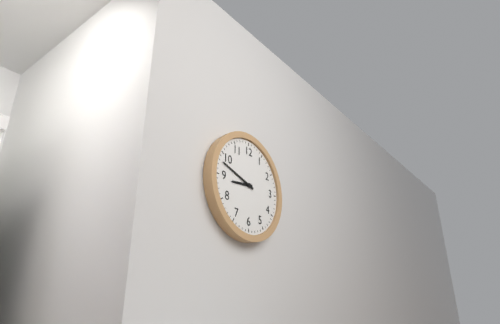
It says 8.48
